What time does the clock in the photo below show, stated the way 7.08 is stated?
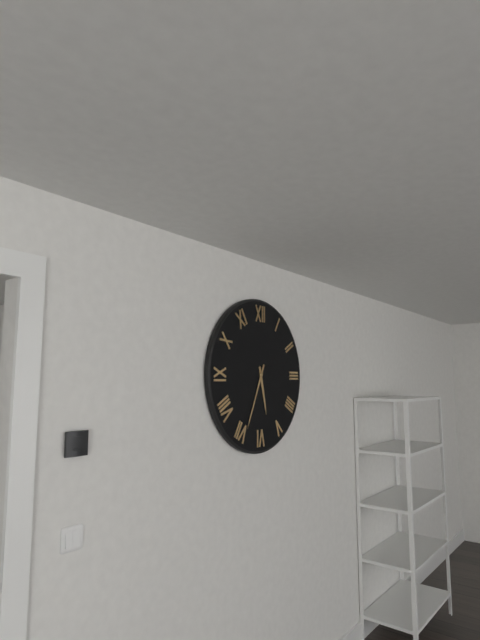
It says 5.34
